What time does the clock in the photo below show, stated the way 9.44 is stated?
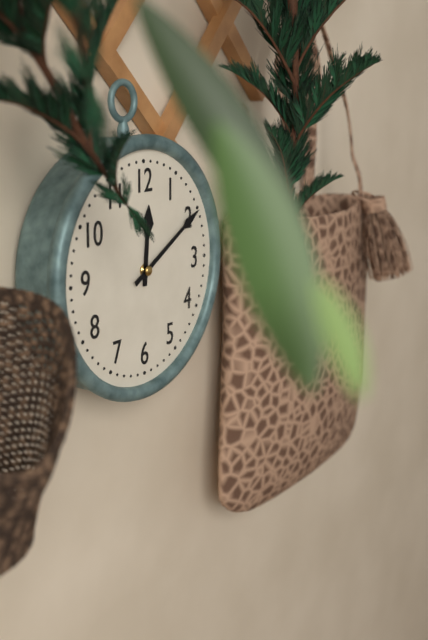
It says 12.10
